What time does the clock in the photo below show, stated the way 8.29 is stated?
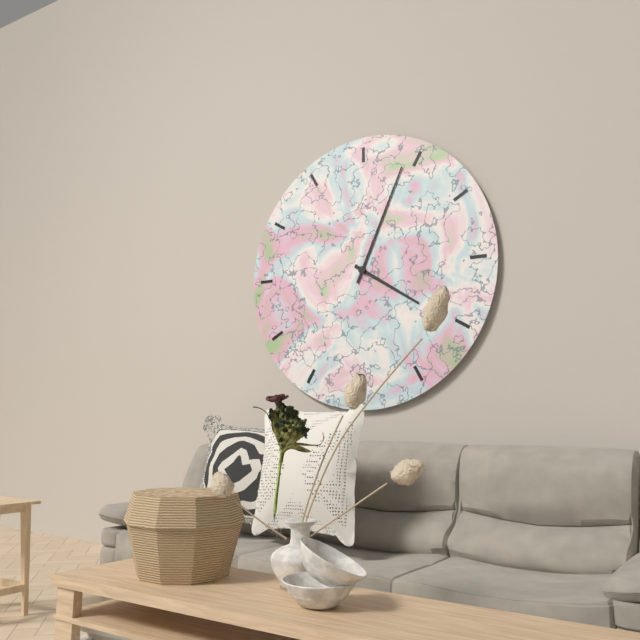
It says 4.04
